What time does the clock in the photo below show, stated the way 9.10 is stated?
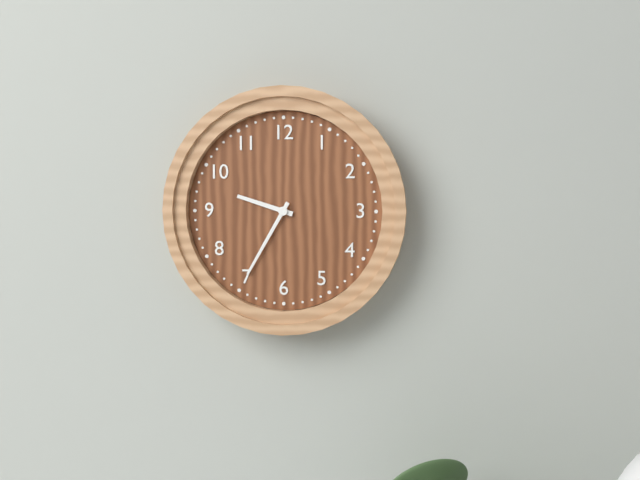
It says 9.35
